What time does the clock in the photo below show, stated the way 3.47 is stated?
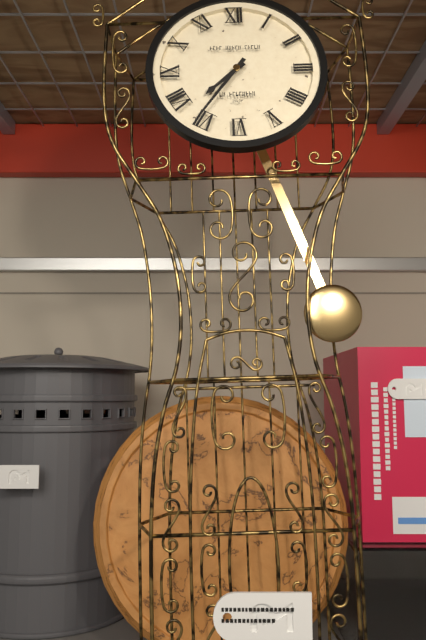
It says 7.36
